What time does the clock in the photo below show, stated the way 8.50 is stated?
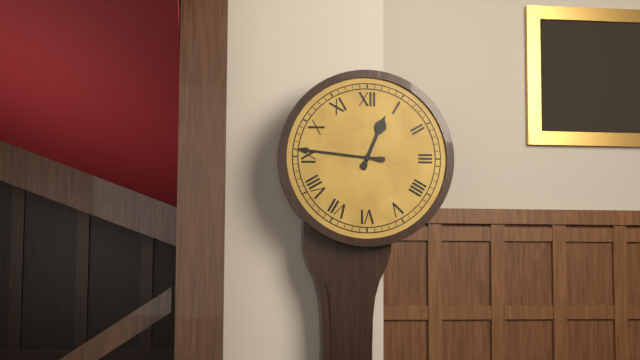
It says 12.46
